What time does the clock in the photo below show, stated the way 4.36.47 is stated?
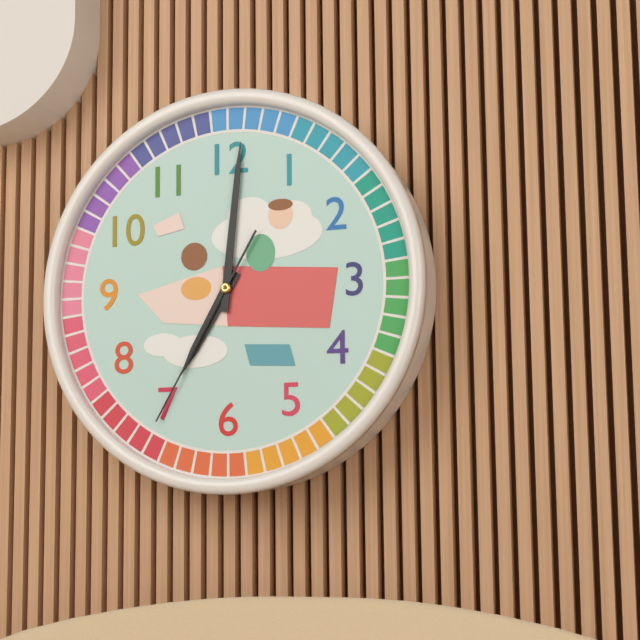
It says 7.01.35
